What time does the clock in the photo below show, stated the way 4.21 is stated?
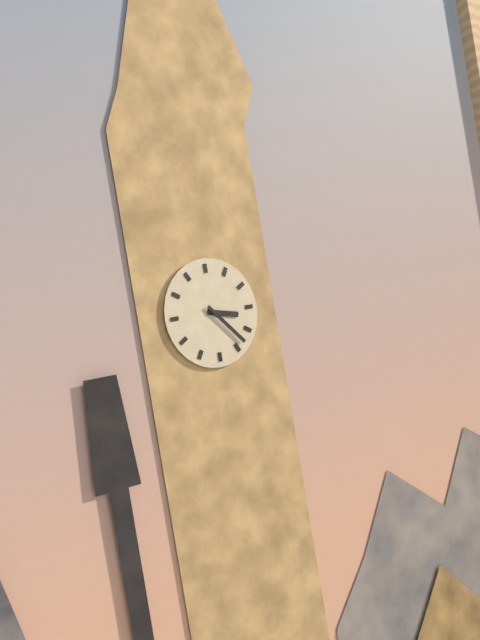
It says 3.23
